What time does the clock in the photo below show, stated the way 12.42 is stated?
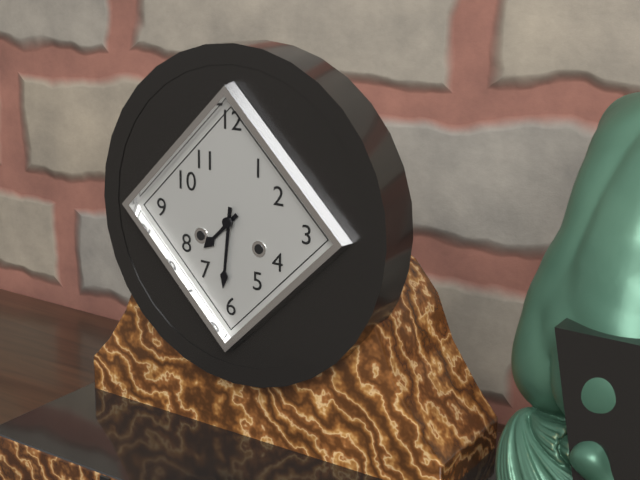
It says 7.31
